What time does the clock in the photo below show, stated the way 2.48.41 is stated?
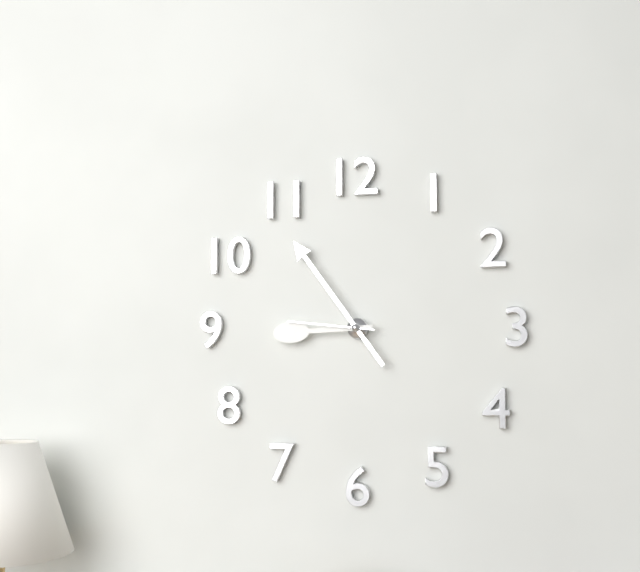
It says 8.54.46
